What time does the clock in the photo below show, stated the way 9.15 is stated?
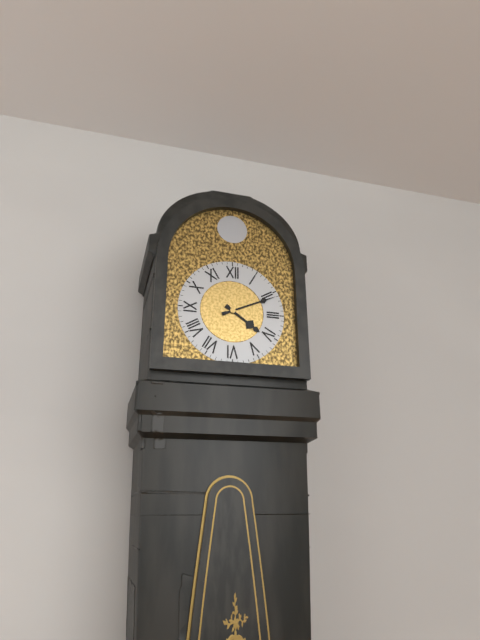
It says 4.11
